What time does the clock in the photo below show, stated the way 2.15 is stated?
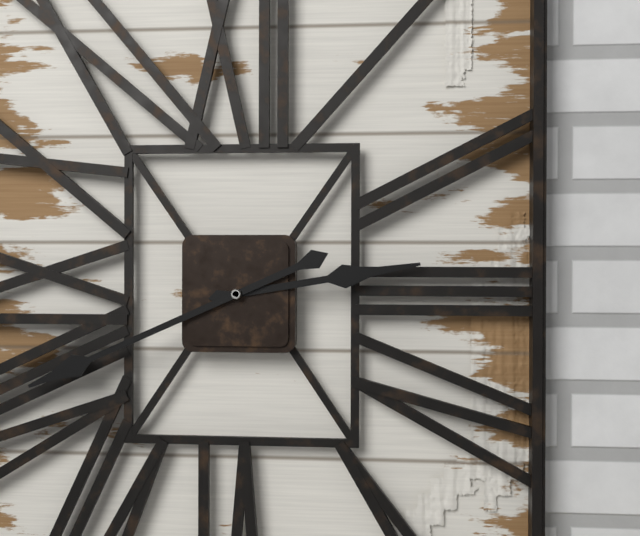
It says 2.41
